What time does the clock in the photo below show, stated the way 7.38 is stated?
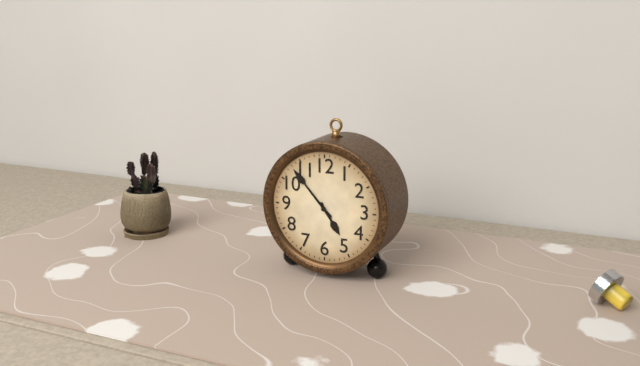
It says 4.53
